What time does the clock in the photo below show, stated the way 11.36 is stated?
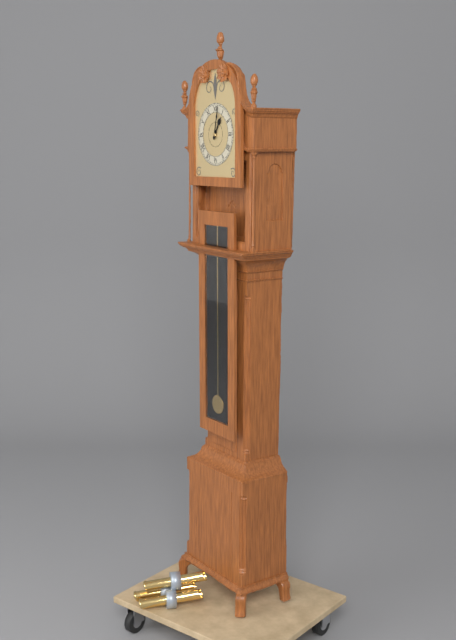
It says 1.02
